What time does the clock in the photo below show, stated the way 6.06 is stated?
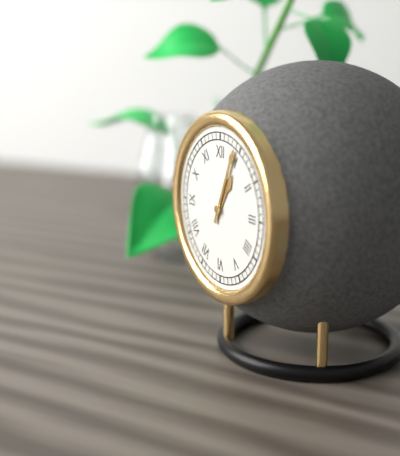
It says 1.04
